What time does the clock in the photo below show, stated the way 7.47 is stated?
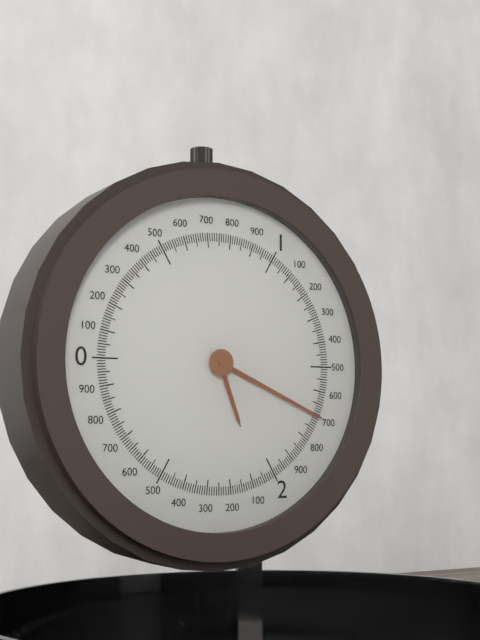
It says 5.19
